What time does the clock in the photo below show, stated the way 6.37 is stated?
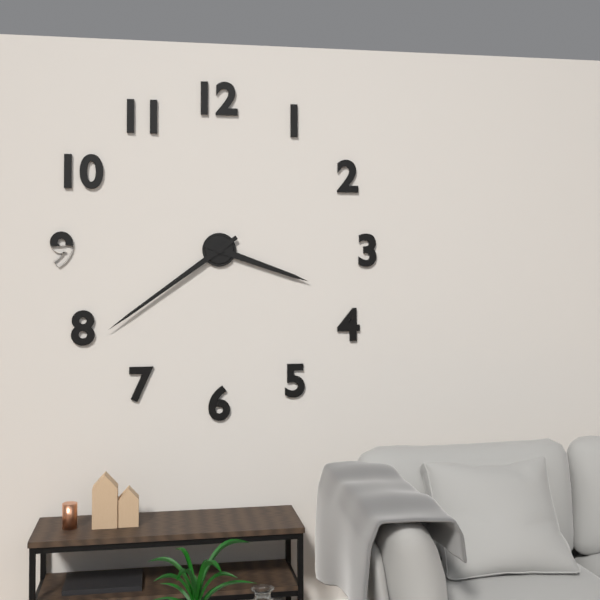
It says 3.39
